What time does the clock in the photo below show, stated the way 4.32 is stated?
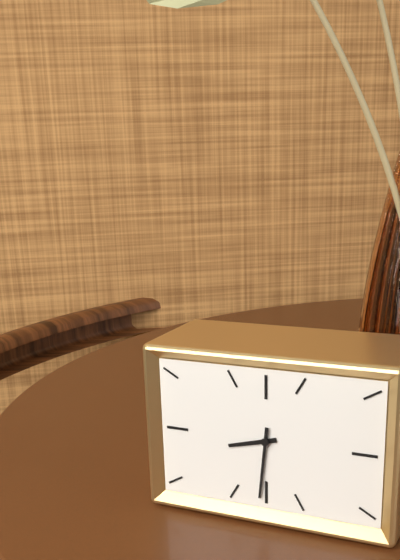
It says 8.31
